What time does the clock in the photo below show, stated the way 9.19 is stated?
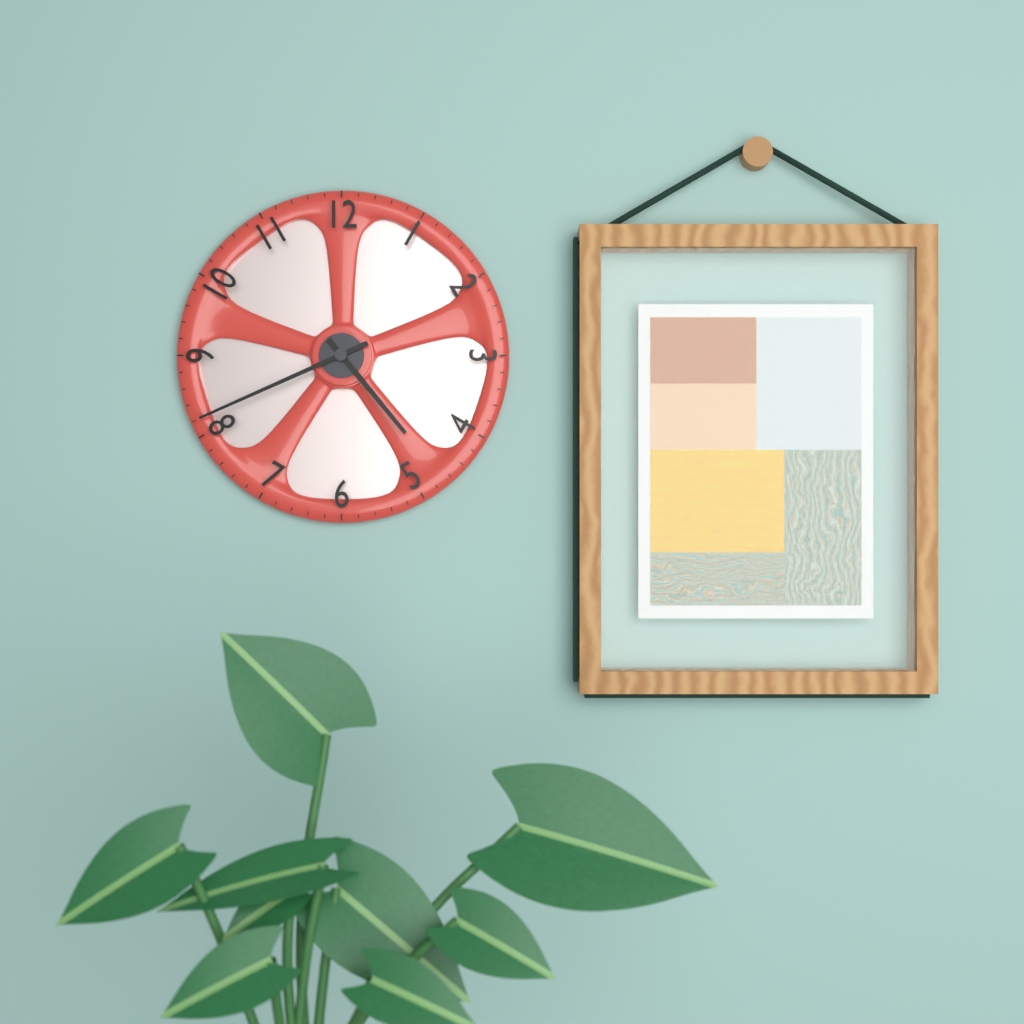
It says 4.41
